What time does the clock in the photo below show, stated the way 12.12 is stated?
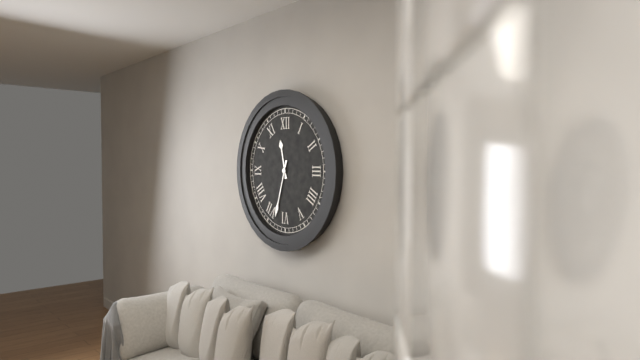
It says 11.33
